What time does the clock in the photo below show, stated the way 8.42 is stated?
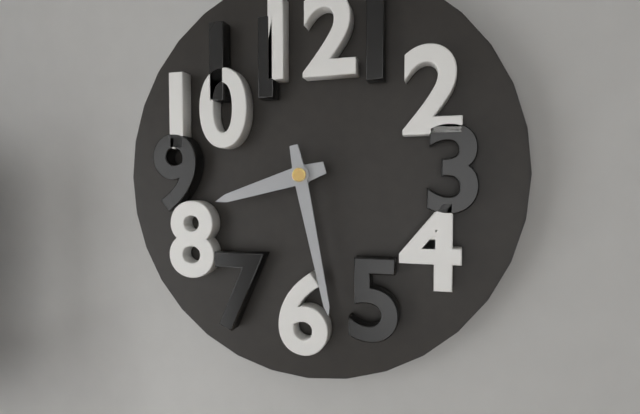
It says 8.28
